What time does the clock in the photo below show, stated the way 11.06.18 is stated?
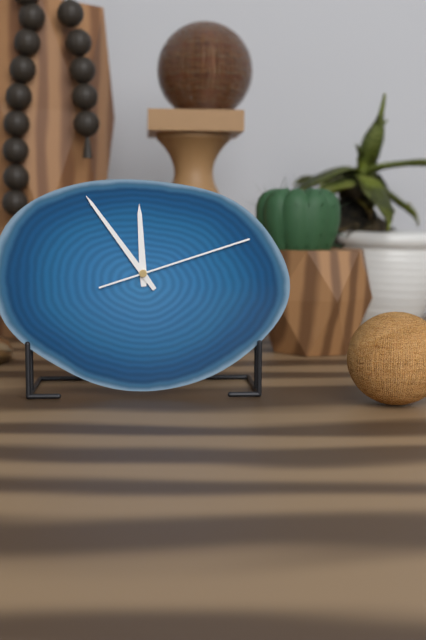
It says 11.54.12
